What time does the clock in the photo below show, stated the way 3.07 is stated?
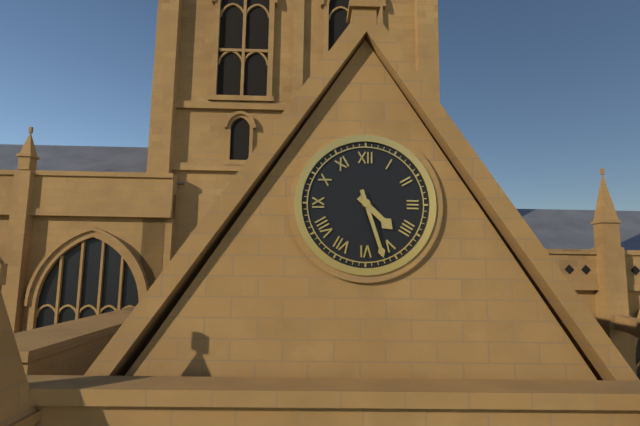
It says 4.27
